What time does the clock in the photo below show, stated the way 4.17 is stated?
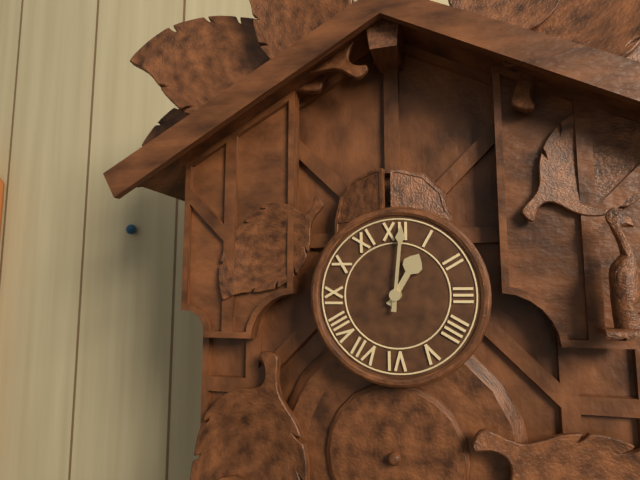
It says 1.01
